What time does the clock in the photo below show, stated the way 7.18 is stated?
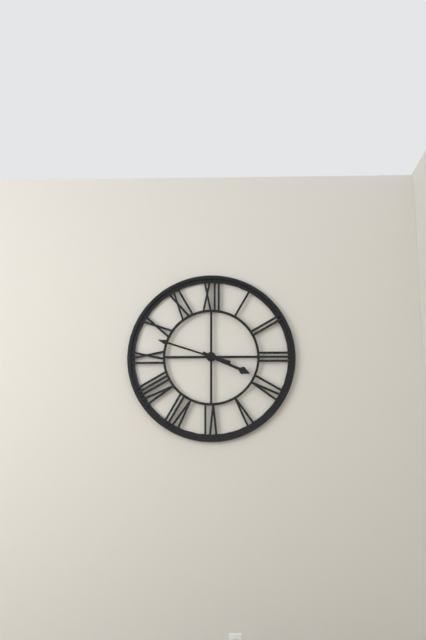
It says 3.48
